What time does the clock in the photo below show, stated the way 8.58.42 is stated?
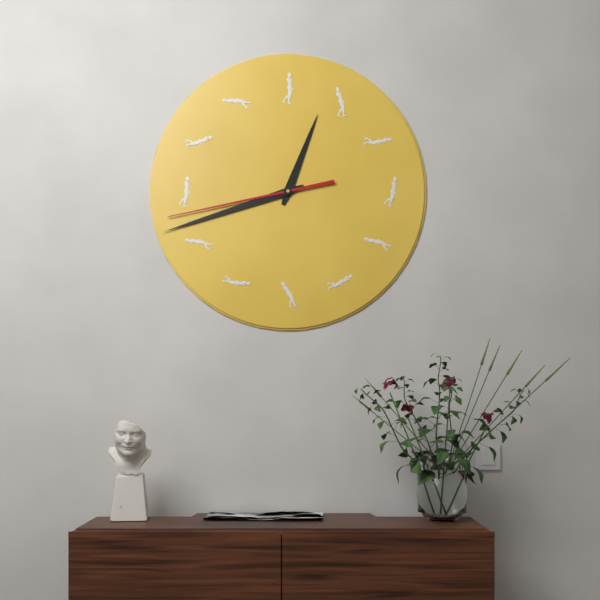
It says 12.42.43
